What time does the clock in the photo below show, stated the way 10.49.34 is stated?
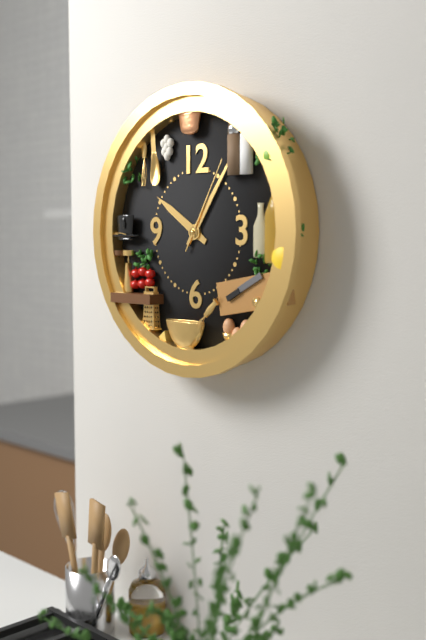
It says 10.06.05
